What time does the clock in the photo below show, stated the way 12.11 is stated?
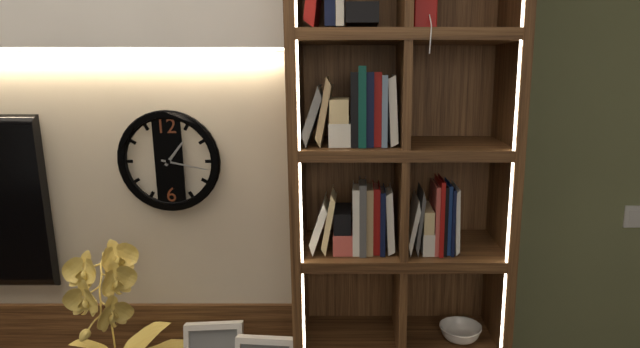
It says 1.17
